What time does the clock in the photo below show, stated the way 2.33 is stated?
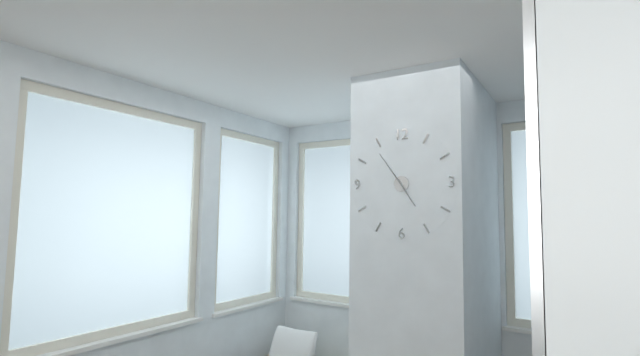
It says 4.54
